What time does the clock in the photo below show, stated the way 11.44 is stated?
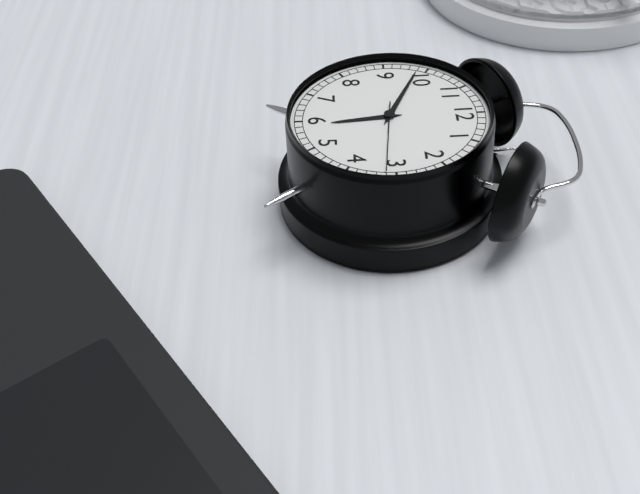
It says 5.49
